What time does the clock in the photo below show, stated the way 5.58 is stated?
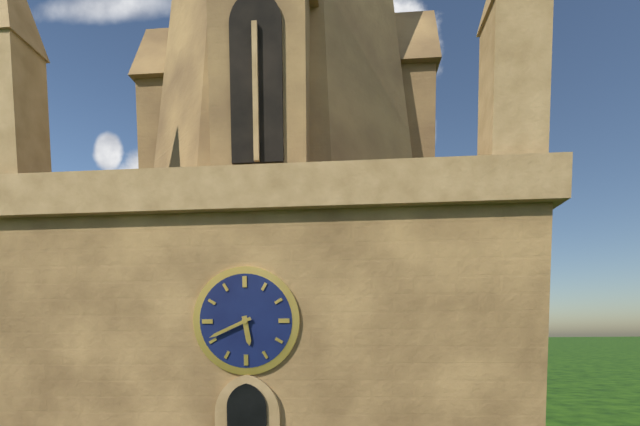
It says 5.41
